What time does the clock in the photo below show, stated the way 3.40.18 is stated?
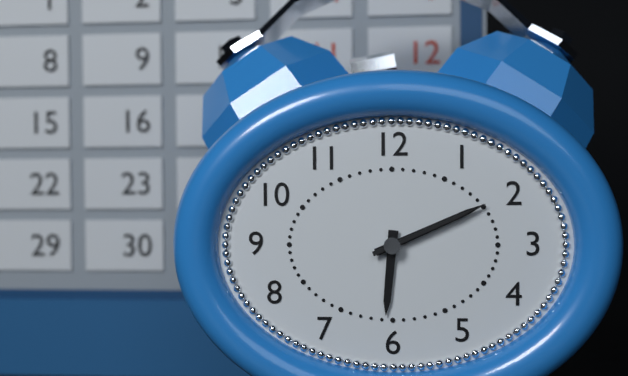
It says 6.11.11
